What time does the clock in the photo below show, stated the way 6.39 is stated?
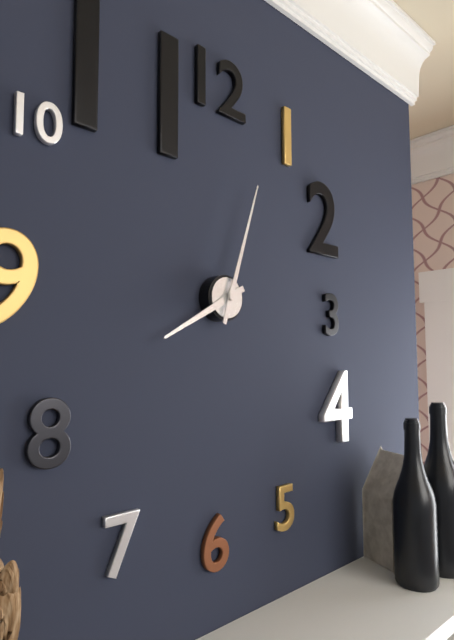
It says 8.03
